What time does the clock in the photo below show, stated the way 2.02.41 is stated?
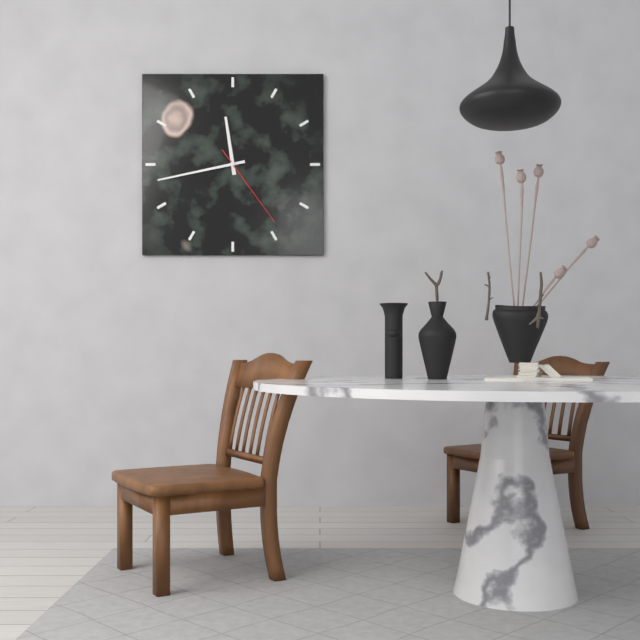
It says 11.43.24
